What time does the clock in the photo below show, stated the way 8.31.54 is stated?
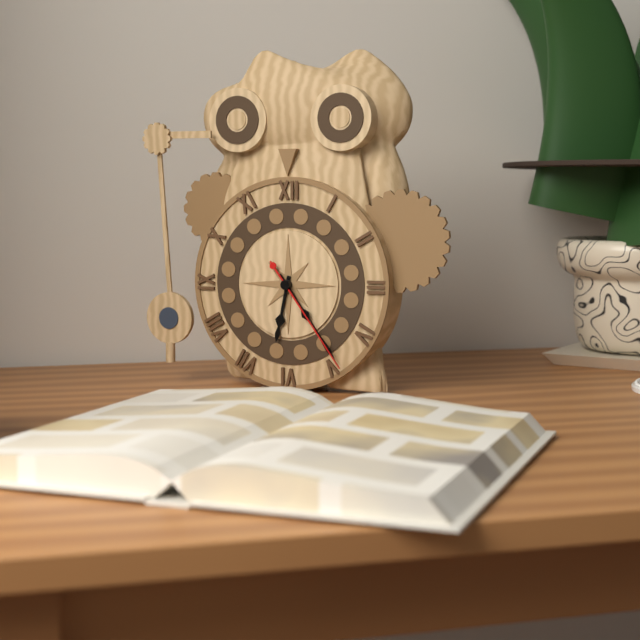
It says 6.24.24
